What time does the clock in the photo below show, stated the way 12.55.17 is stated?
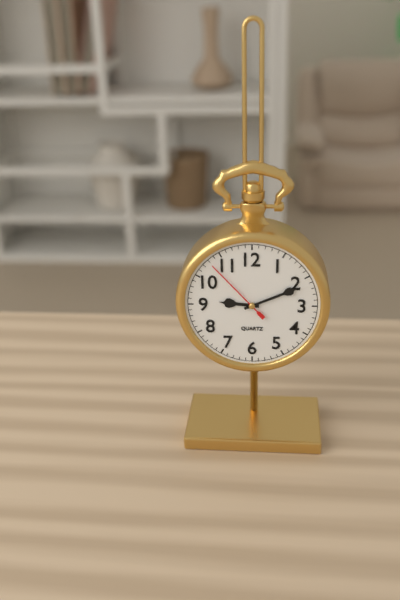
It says 9.11.53
